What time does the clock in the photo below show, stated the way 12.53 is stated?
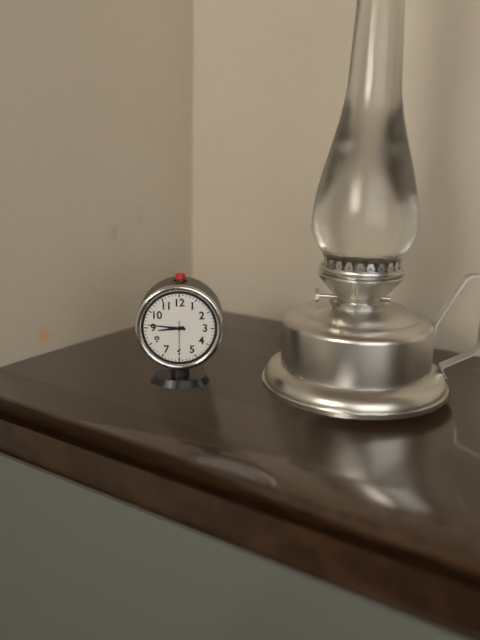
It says 8.46
